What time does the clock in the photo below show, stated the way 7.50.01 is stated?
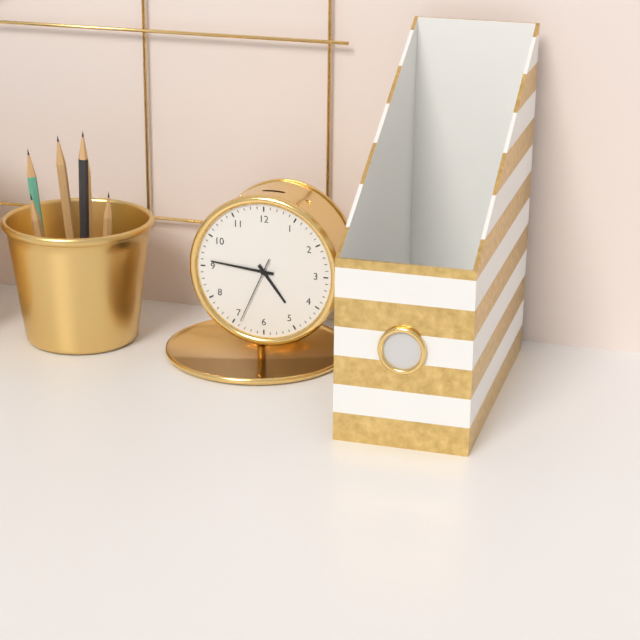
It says 4.46.34
